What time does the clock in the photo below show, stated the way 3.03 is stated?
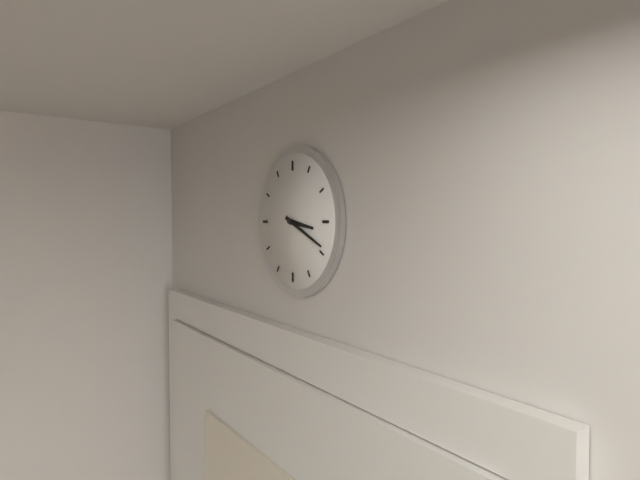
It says 3.19
